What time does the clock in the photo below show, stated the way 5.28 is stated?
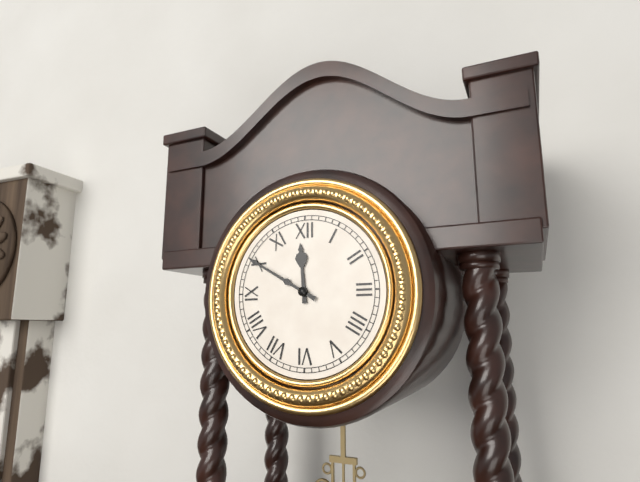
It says 11.50
